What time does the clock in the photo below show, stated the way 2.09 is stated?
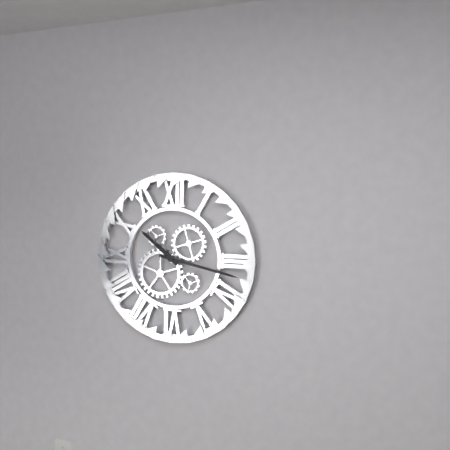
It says 10.17
